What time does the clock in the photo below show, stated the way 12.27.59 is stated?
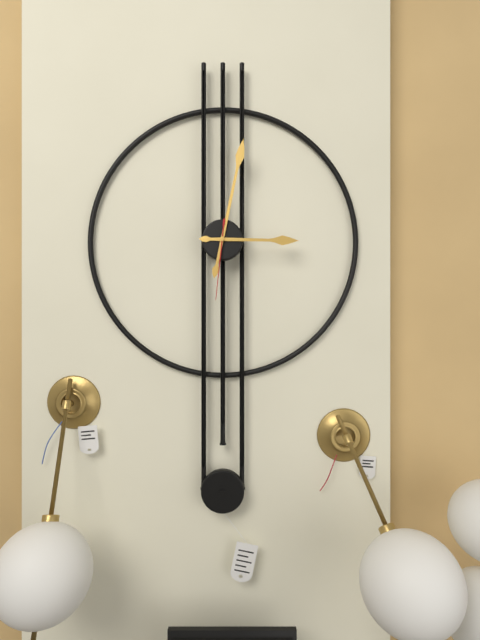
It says 3.02.31
